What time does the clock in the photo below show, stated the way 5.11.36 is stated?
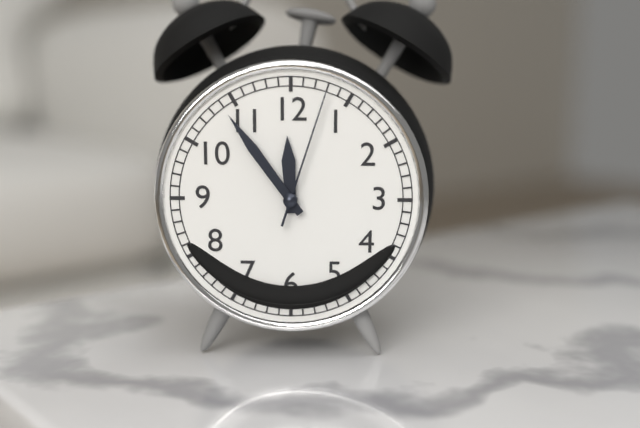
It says 11.54.03
